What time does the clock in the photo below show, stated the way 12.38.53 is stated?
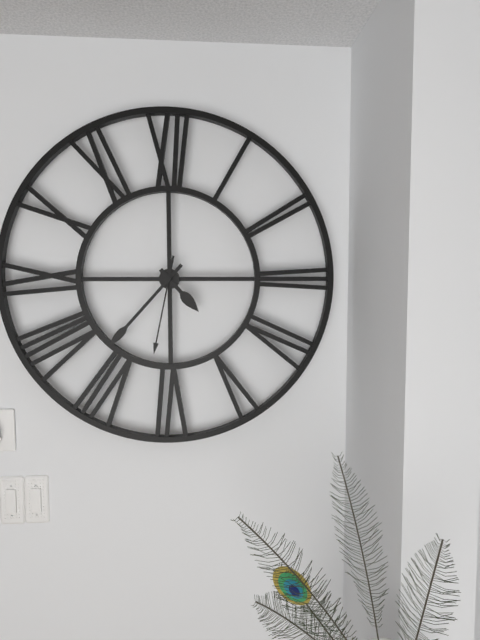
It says 4.37.32
